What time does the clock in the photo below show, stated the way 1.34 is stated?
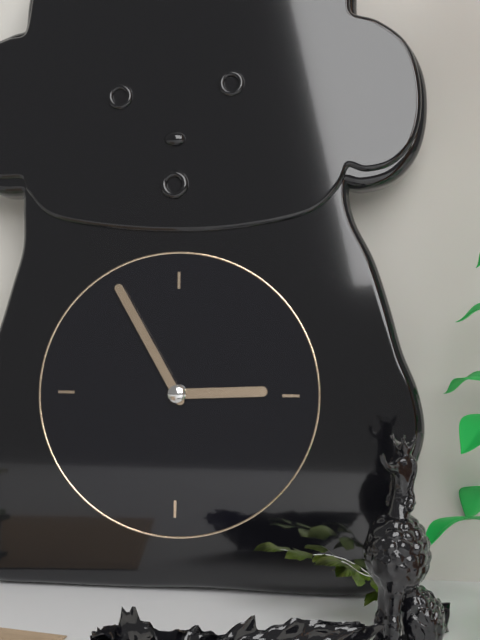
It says 2.55
